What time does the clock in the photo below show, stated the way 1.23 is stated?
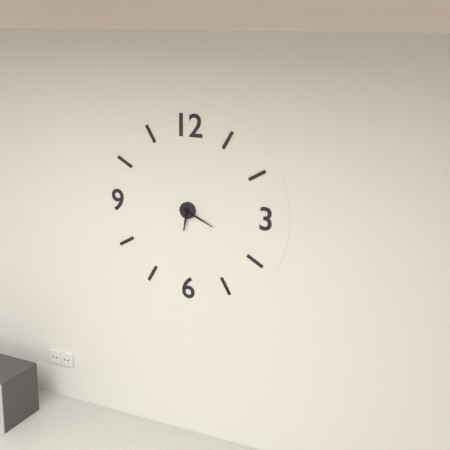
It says 6.19
